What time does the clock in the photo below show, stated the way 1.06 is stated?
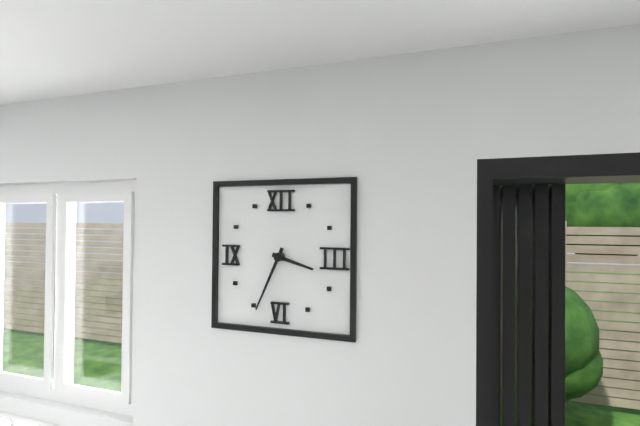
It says 3.34
